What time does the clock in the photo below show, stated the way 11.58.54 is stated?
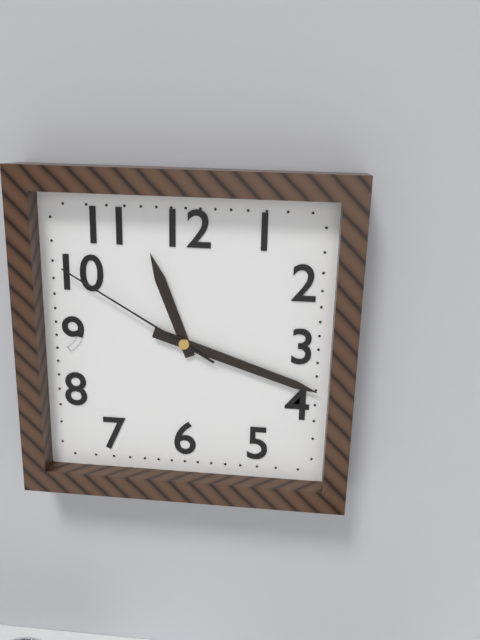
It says 11.18.50
